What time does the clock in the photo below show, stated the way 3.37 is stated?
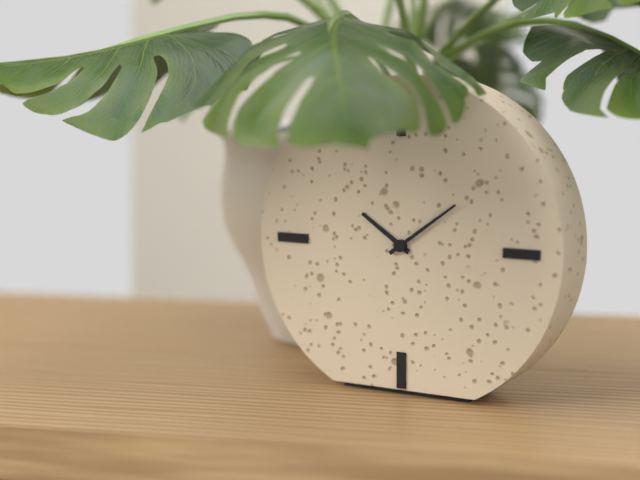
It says 10.09
